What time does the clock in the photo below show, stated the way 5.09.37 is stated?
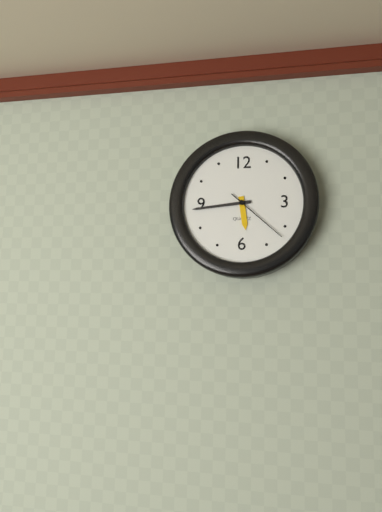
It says 5.44.22
